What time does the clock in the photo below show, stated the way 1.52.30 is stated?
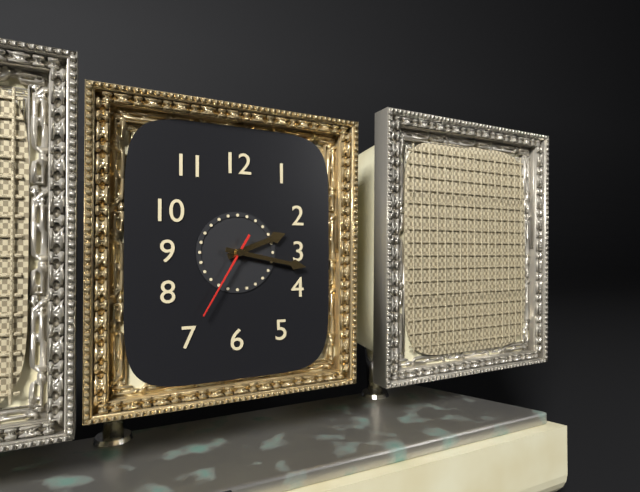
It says 2.17.35
